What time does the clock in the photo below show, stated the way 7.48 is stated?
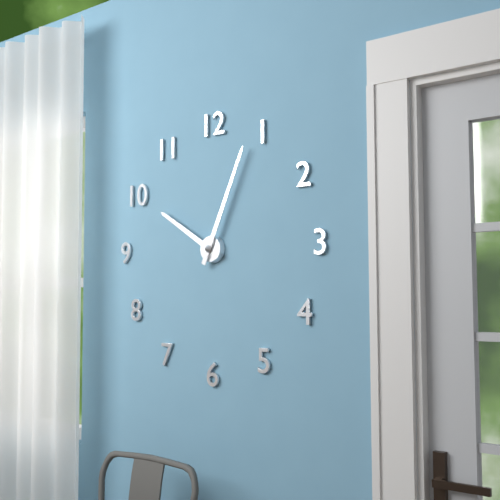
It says 10.04
